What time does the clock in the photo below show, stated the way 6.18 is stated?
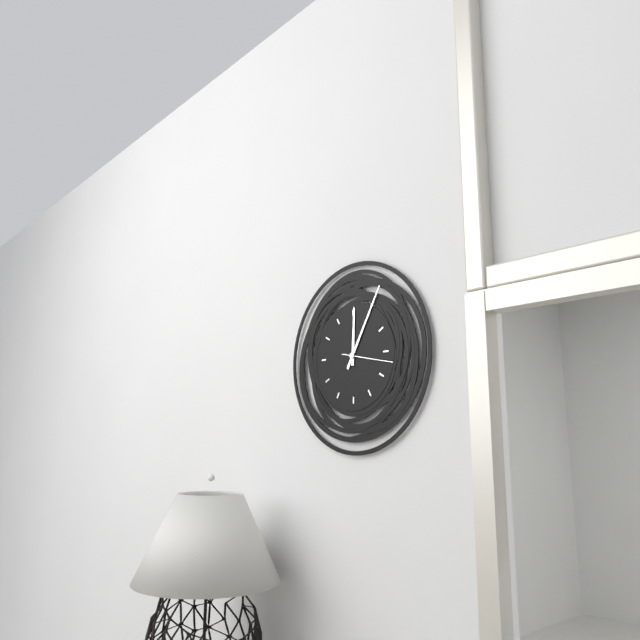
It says 12.05
